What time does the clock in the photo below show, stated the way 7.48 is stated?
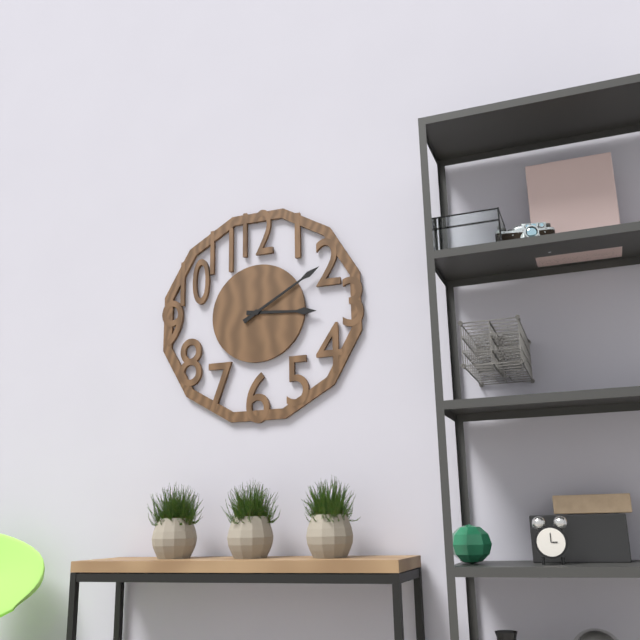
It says 3.10
